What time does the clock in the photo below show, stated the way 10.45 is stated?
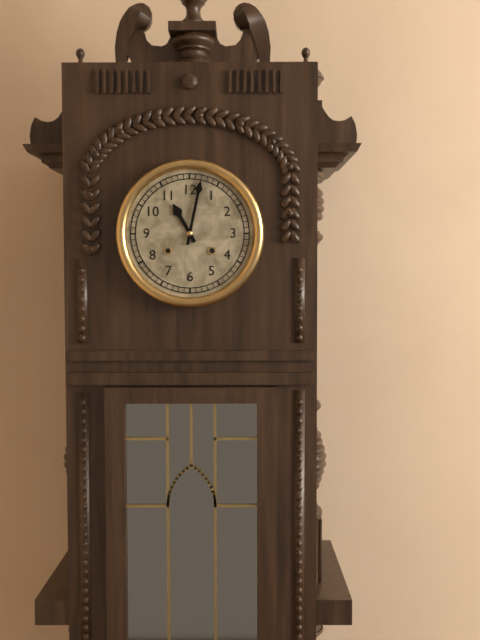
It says 11.02
